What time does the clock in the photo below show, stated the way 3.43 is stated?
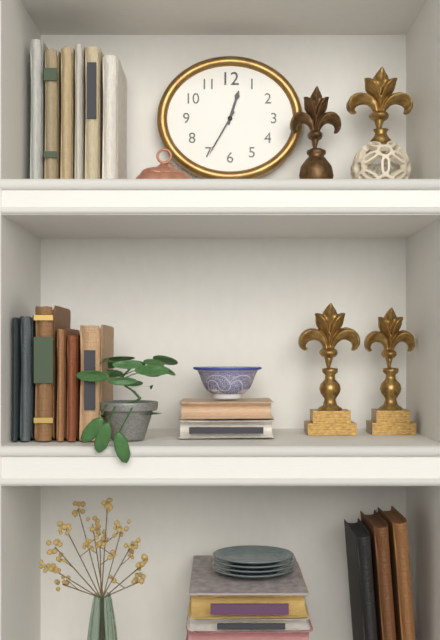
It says 12.35
